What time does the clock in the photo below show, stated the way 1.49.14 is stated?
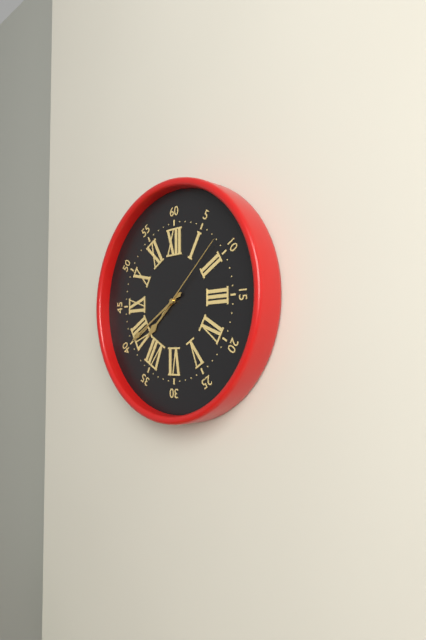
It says 7.40.08
